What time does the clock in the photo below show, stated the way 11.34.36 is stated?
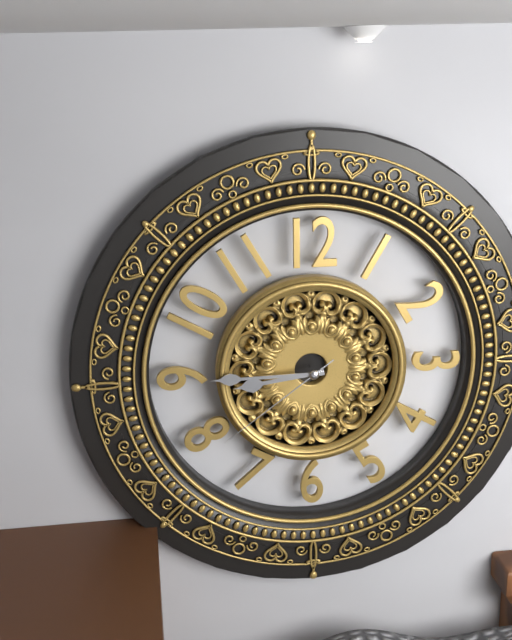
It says 8.45.39
